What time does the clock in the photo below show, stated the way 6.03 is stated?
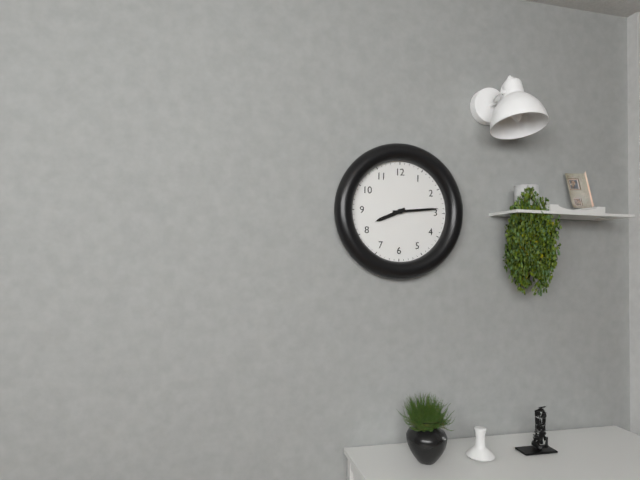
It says 8.14
